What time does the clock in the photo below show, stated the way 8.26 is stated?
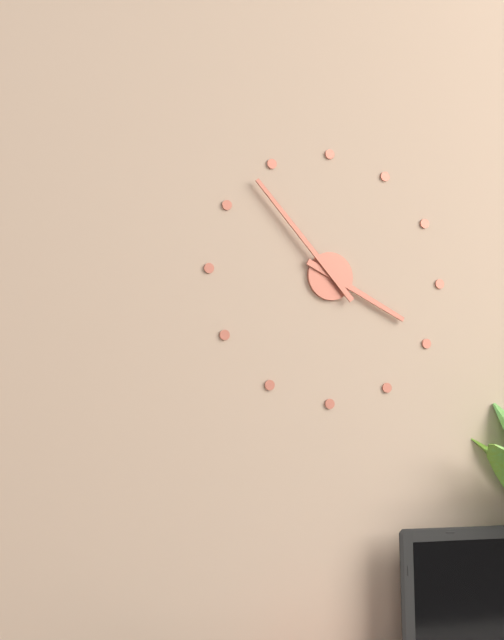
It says 3.53
